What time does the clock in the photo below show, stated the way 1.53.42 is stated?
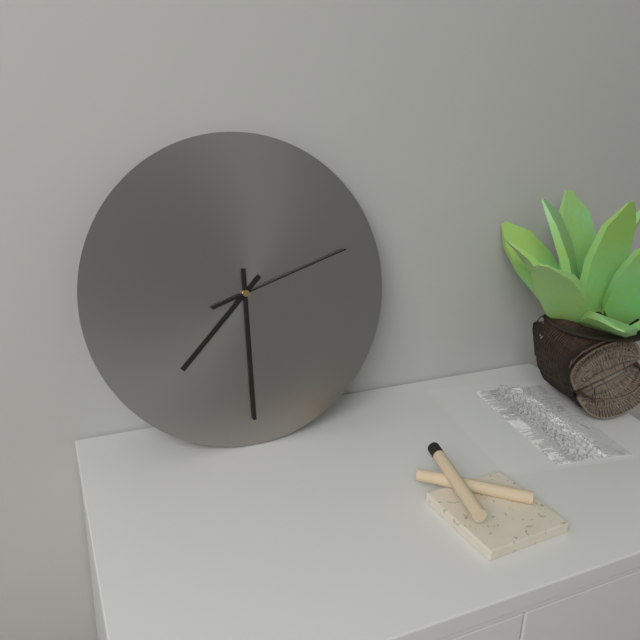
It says 7.30.12
